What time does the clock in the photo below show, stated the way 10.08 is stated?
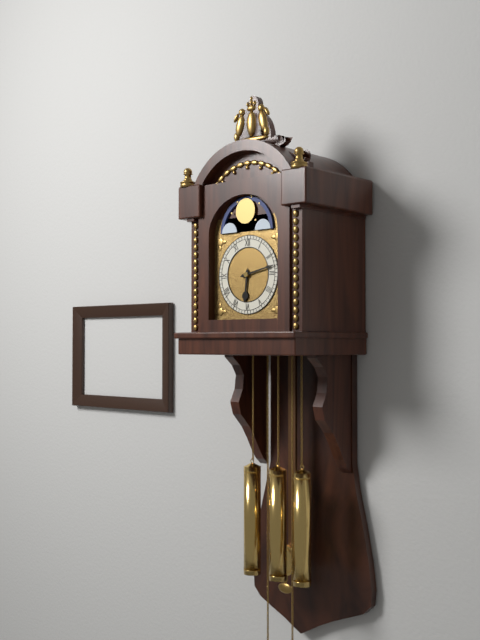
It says 6.13
